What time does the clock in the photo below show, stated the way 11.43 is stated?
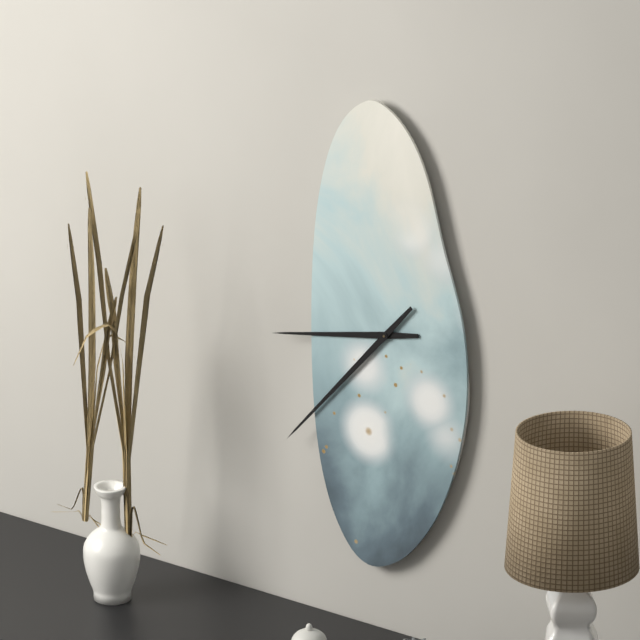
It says 8.37
